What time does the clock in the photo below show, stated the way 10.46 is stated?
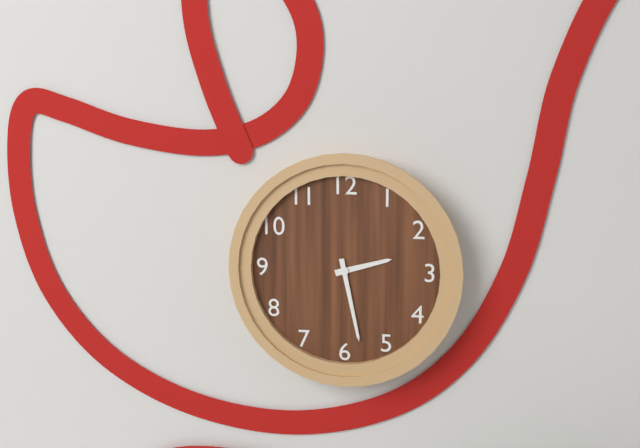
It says 2.28
